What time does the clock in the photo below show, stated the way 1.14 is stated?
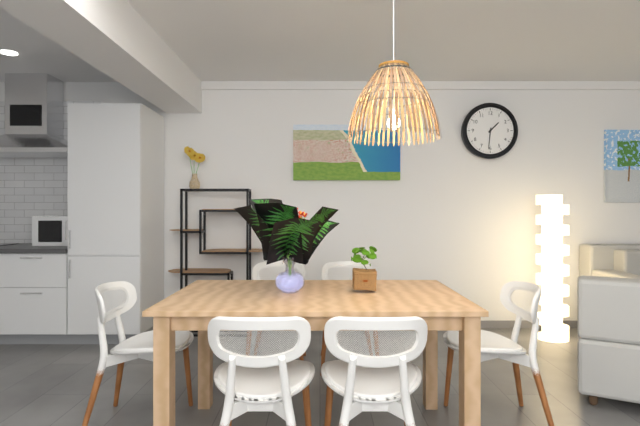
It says 1.31
